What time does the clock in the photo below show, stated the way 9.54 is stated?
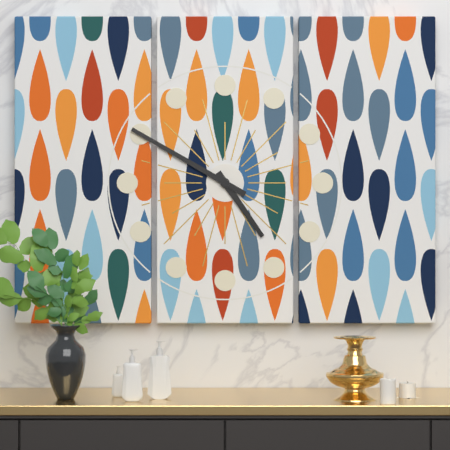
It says 4.50
